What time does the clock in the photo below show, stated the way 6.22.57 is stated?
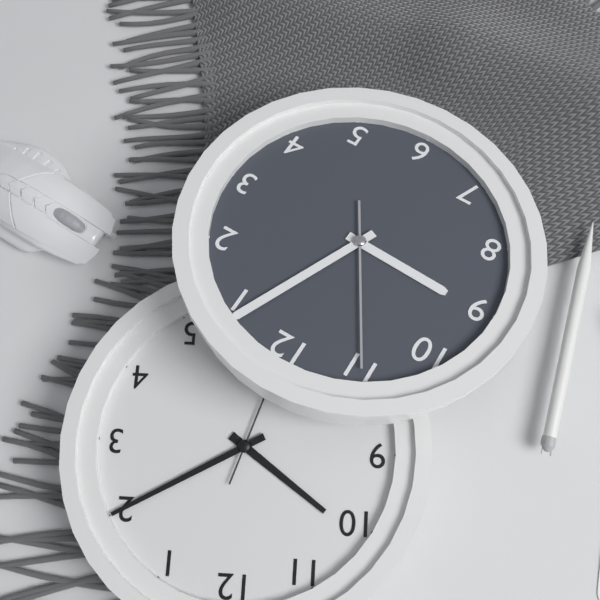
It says 9.04.55
